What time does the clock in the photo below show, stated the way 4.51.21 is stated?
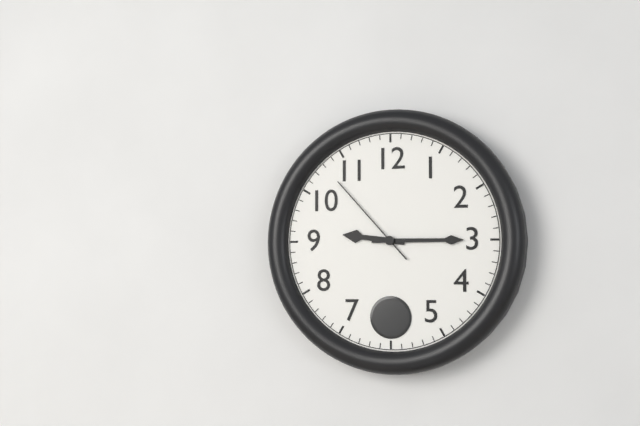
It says 9.15.53
